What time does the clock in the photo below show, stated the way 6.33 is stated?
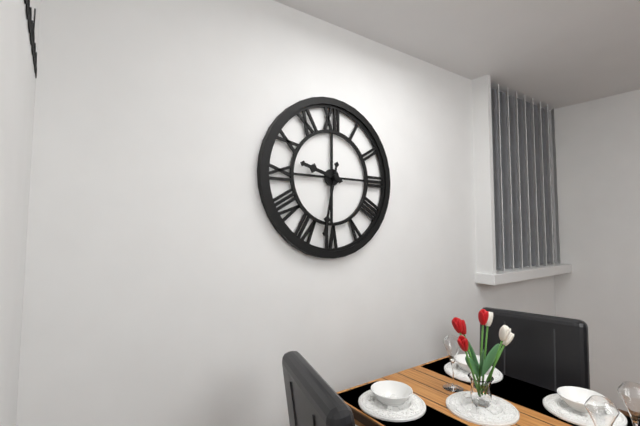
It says 9.32
